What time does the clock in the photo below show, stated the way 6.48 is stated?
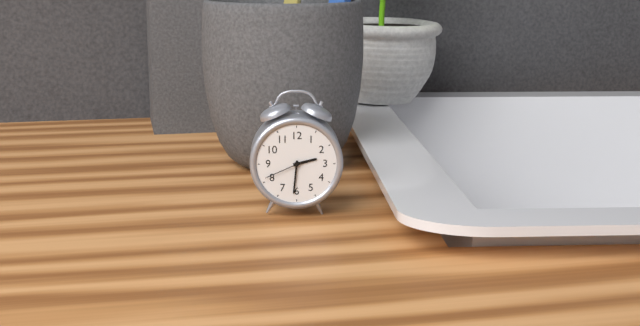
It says 2.31
